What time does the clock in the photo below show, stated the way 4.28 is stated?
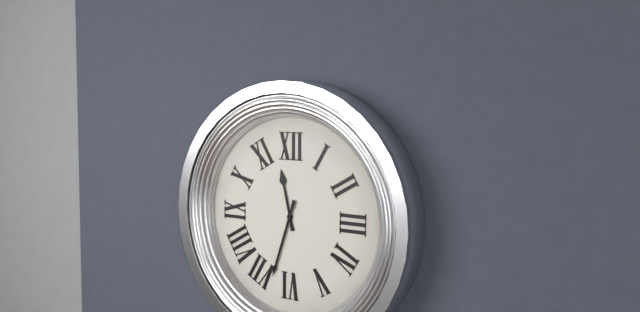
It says 11.33
